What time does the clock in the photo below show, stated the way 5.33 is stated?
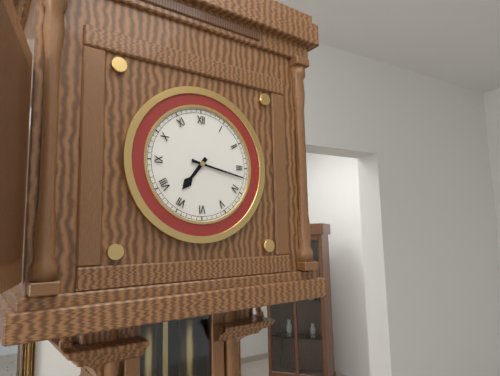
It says 7.17
